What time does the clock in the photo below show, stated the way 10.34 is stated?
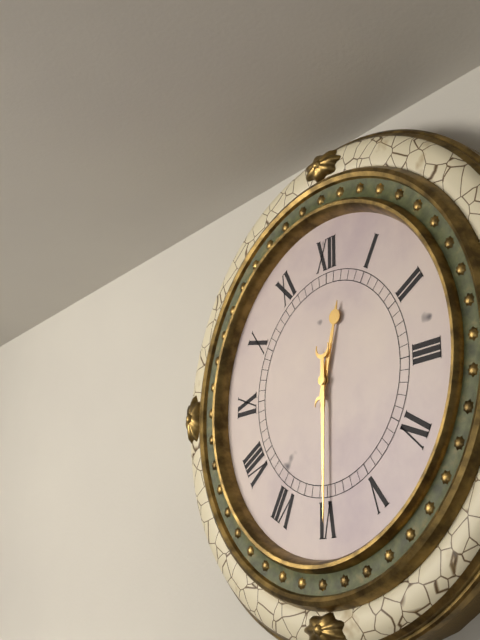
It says 12.30
